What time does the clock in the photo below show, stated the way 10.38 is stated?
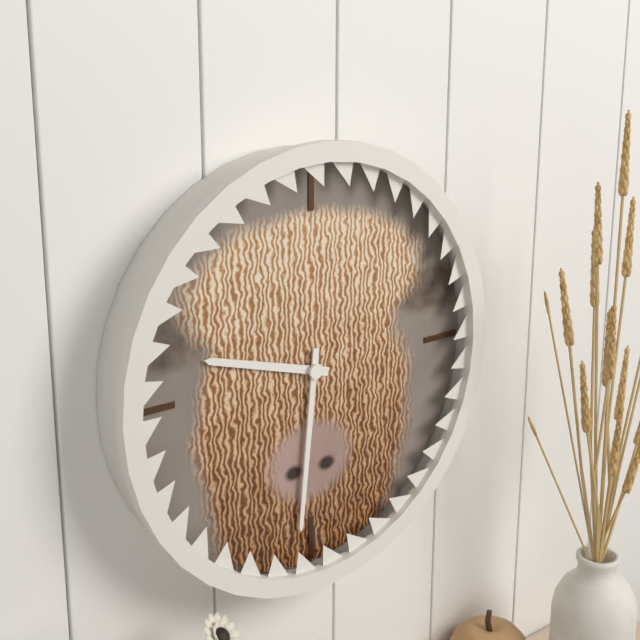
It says 9.31
